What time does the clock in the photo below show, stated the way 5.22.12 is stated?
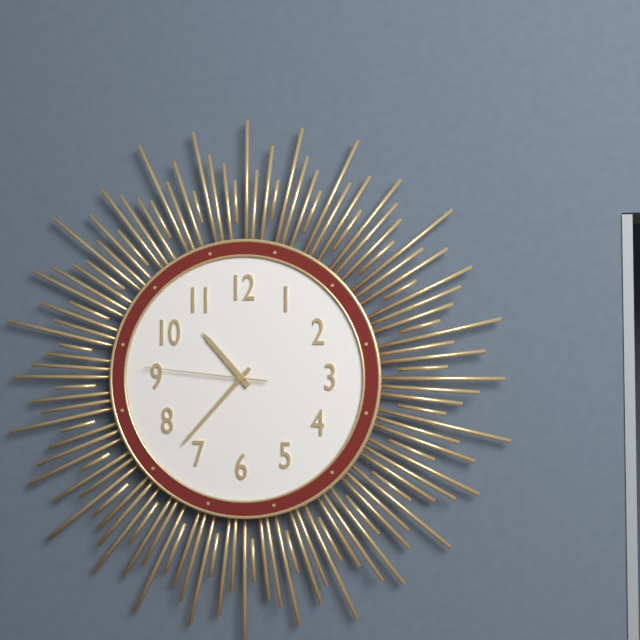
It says 10.37.46
